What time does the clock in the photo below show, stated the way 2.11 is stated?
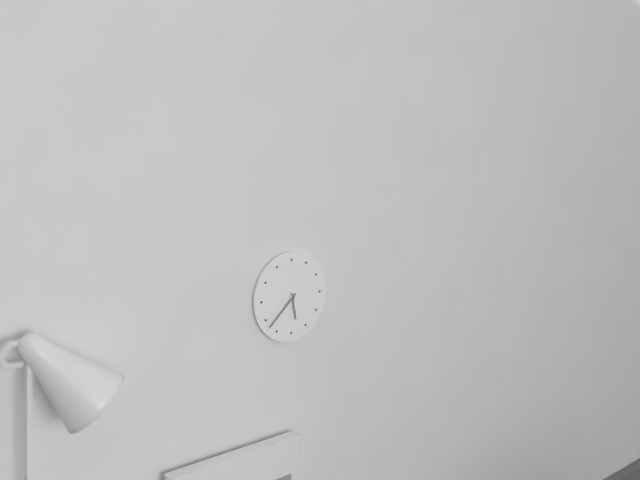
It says 5.38
